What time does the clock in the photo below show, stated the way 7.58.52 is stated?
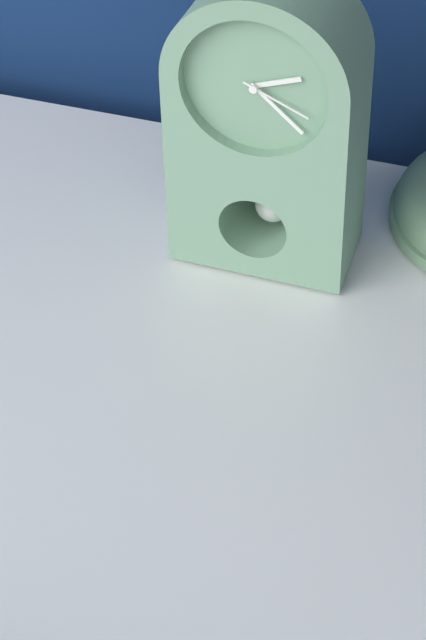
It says 2.22.19
